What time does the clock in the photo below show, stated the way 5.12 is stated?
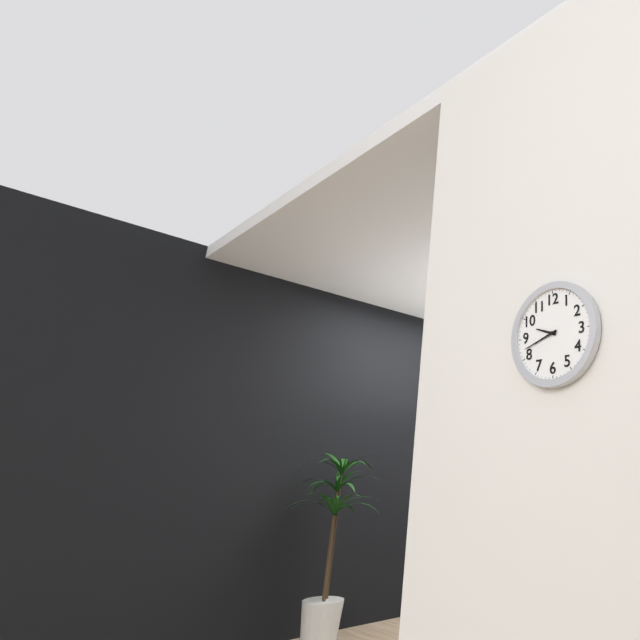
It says 9.42
